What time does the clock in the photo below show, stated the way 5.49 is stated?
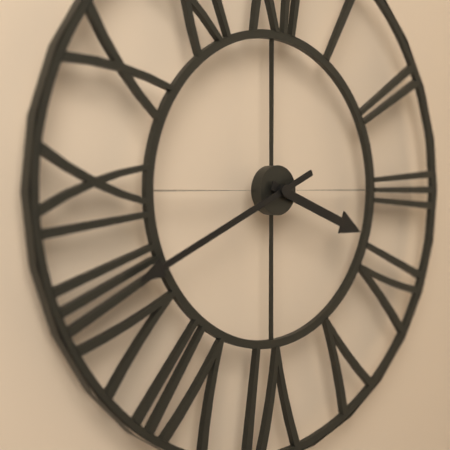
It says 3.41
